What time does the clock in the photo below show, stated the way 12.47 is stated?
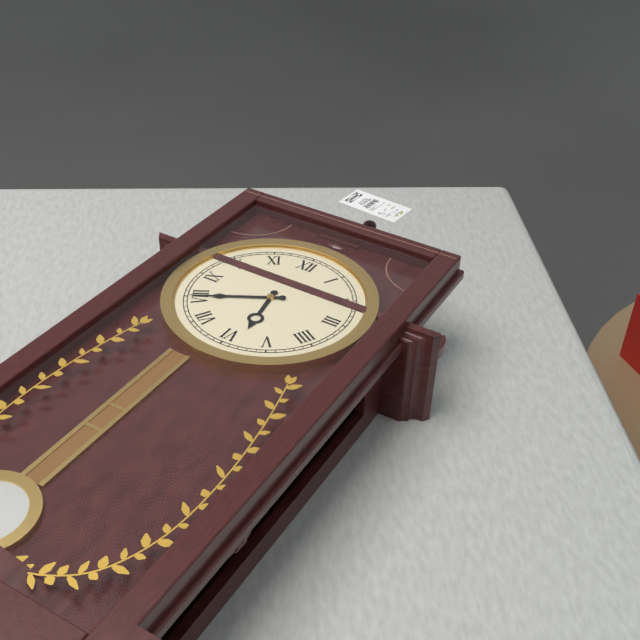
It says 5.40
